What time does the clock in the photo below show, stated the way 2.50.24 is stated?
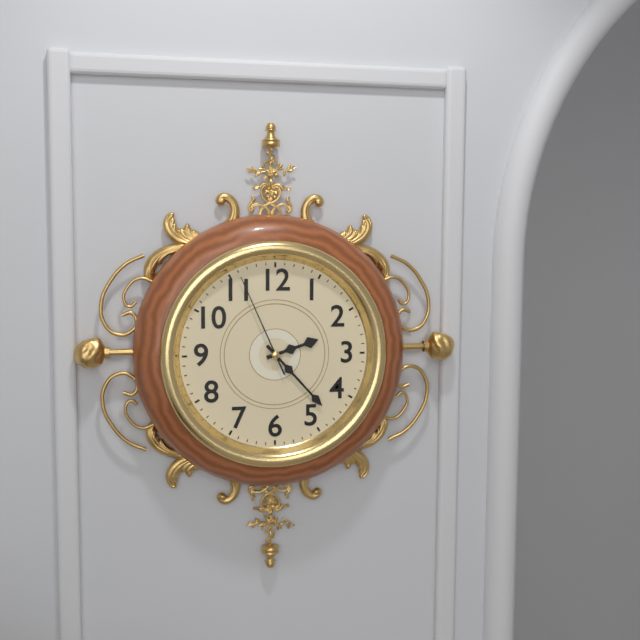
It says 2.23.56
